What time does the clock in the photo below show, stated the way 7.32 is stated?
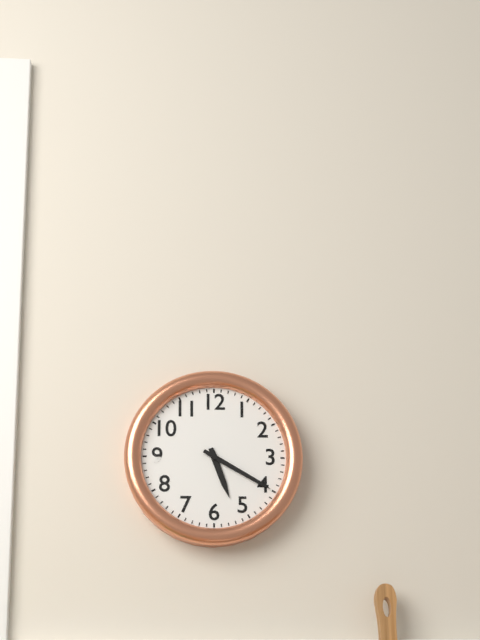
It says 5.20
